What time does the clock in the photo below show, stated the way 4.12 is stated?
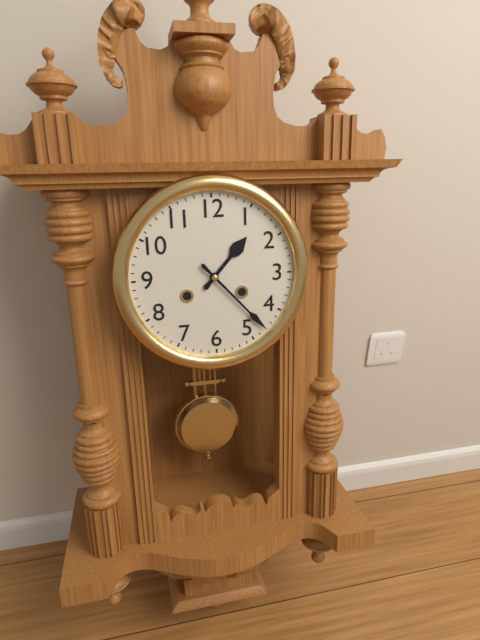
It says 1.23
